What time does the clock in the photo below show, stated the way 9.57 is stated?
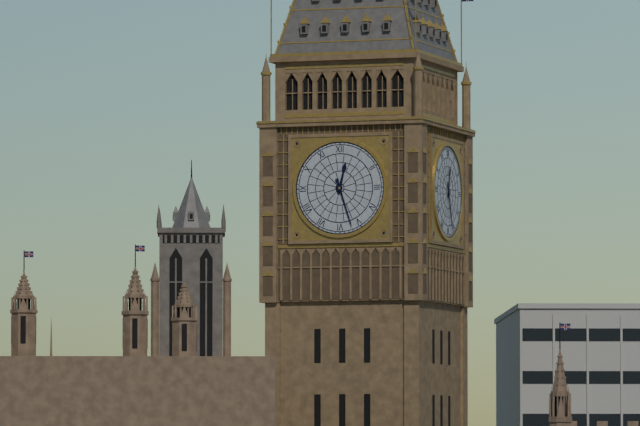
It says 12.27
